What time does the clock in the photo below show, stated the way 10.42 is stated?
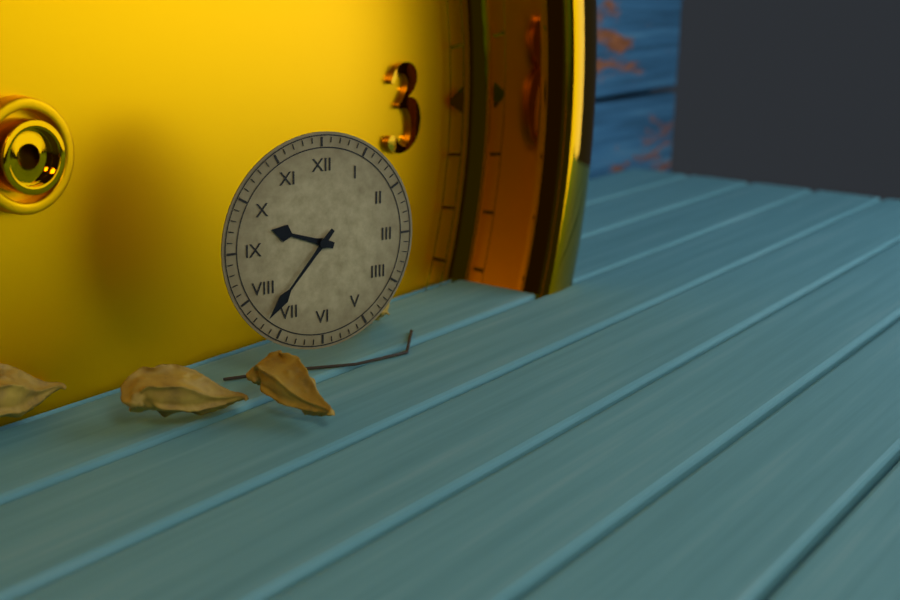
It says 9.37
